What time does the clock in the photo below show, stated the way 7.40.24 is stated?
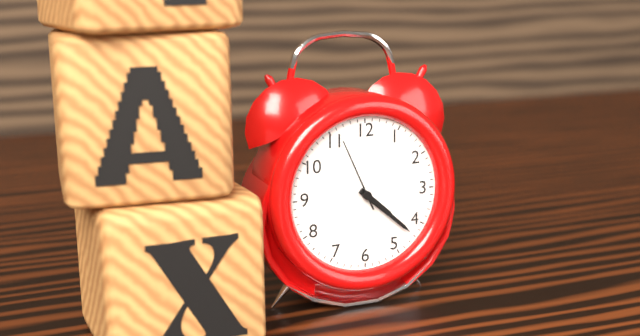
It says 4.22.56
